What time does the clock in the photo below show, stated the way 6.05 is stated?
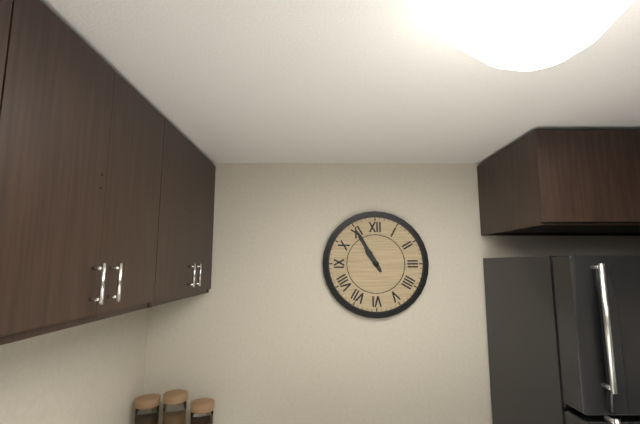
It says 10.55
